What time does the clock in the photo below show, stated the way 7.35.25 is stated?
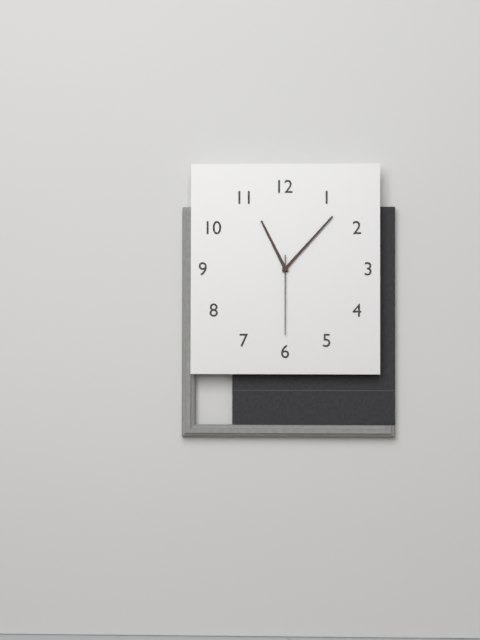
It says 11.07.30
